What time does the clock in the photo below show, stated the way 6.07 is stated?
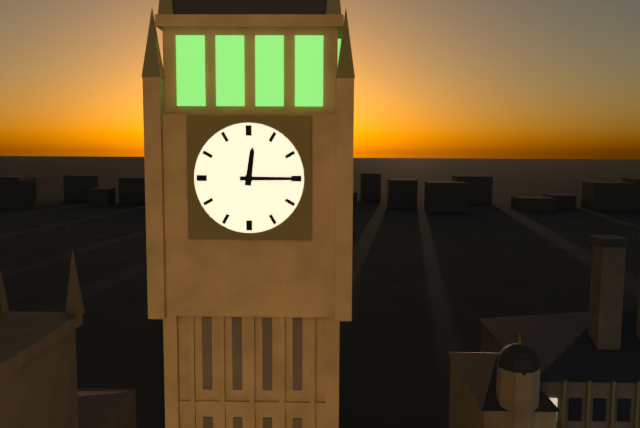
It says 12.15
